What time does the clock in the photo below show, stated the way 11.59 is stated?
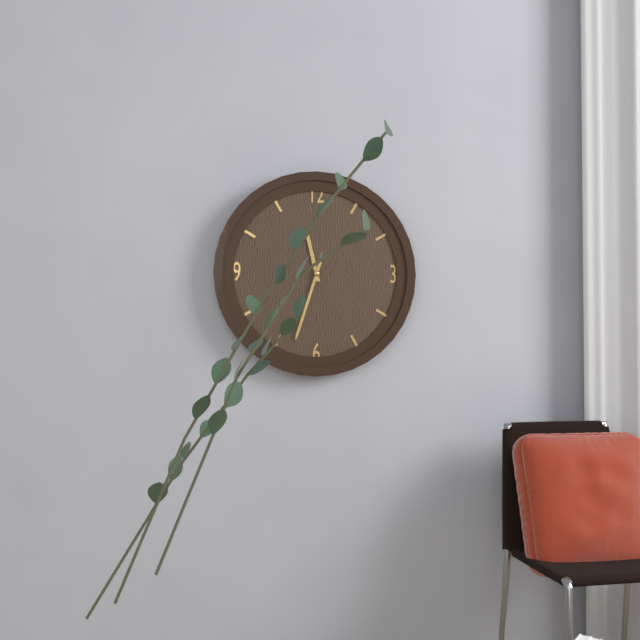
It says 11.33
